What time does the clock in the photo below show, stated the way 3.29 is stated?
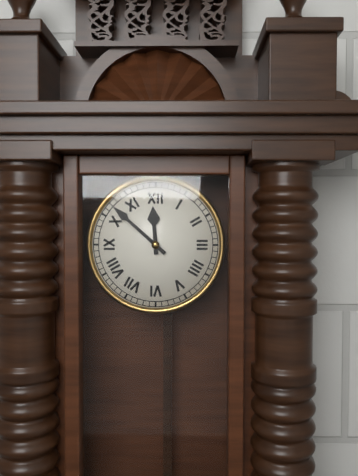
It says 11.52
